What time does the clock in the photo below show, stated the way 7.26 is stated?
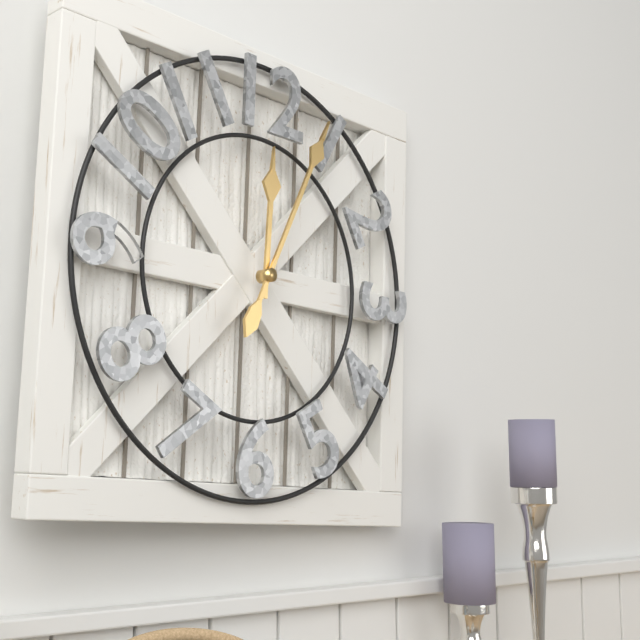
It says 12.04
